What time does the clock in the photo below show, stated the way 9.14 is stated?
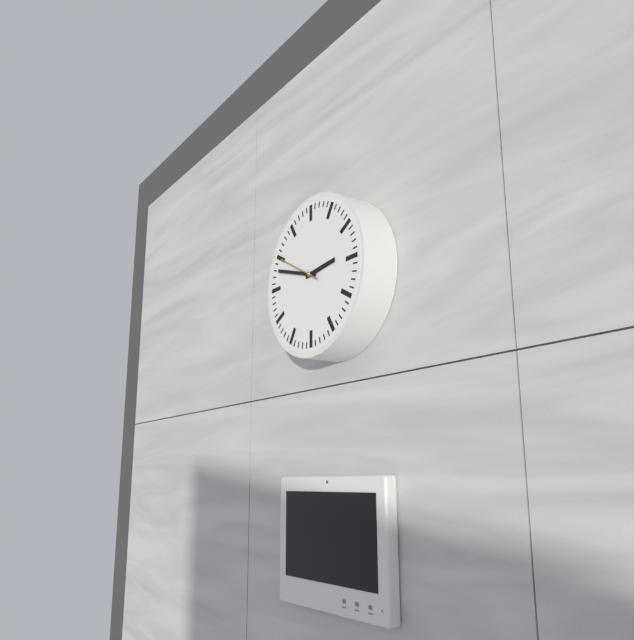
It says 2.48
